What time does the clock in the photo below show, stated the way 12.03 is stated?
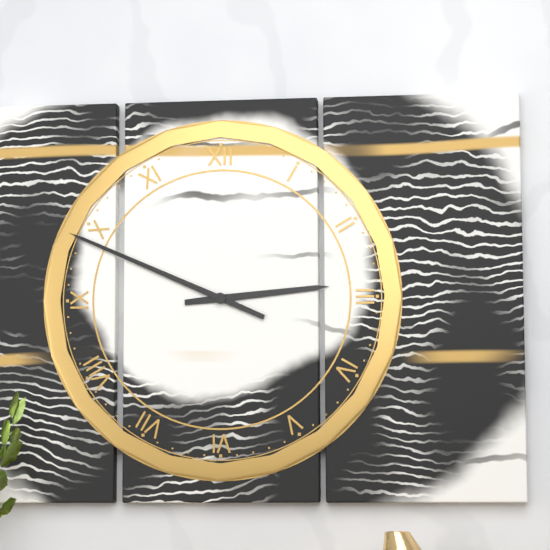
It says 2.49
